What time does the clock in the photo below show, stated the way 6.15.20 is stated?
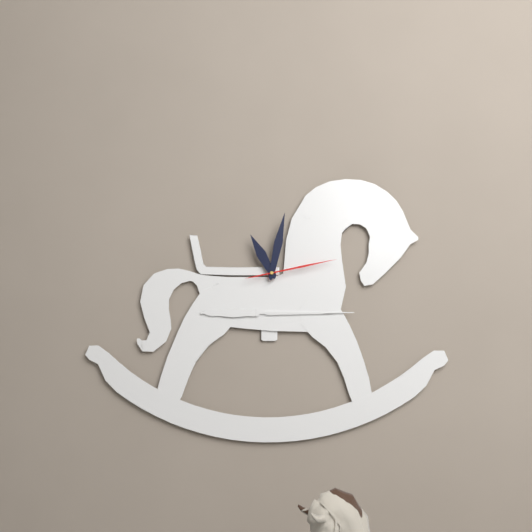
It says 11.02.13
